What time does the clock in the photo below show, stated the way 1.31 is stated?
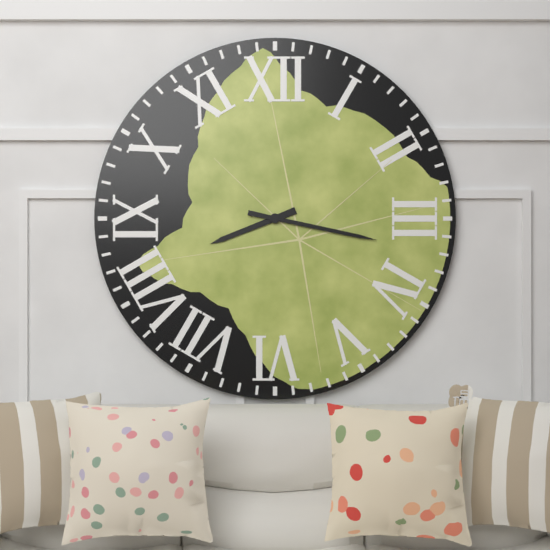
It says 8.17
